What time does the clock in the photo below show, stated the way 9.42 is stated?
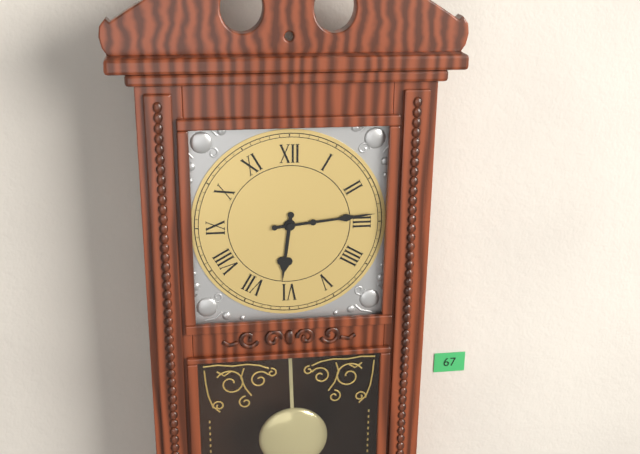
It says 6.14
